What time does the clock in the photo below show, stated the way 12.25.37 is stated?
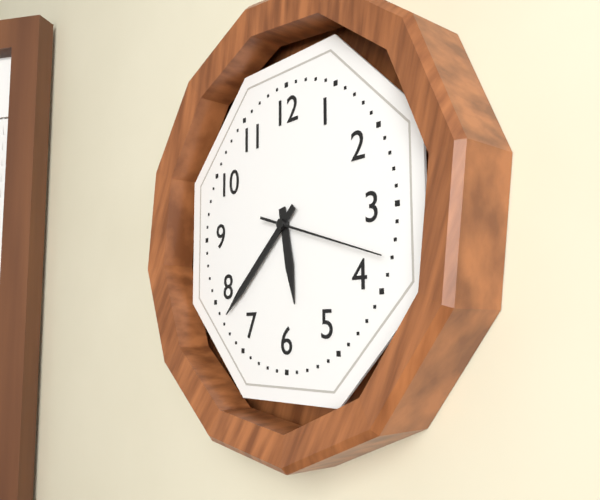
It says 5.38.18
